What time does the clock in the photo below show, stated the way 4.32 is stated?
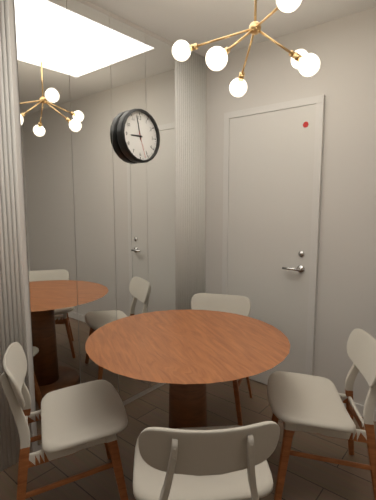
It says 8.58
